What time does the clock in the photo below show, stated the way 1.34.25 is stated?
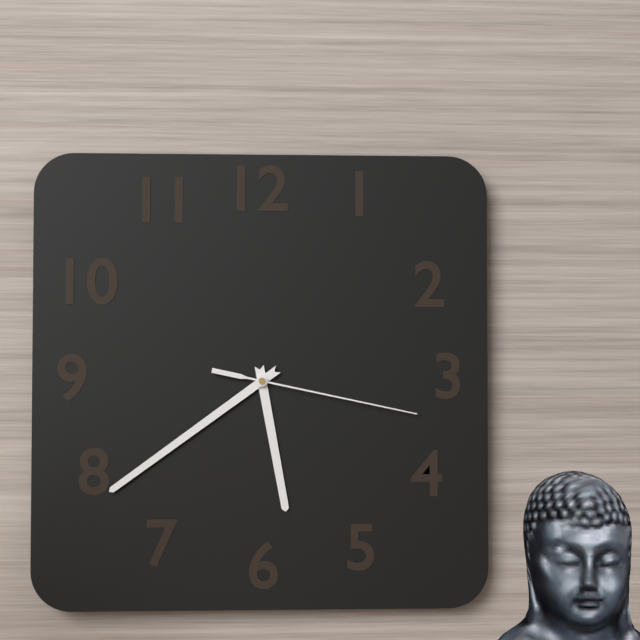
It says 5.39.17
